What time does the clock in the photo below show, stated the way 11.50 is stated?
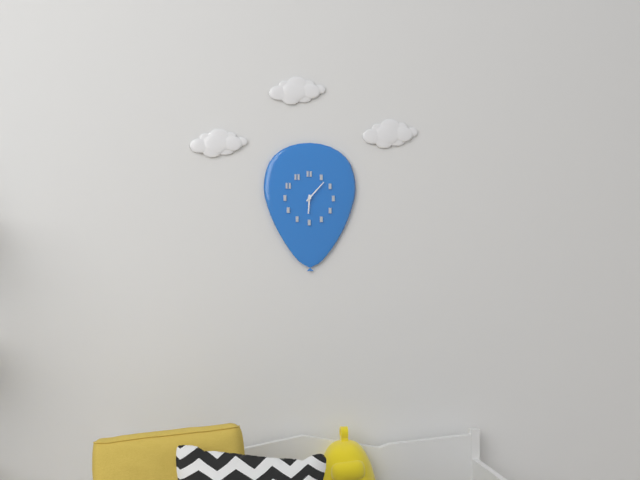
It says 6.07
